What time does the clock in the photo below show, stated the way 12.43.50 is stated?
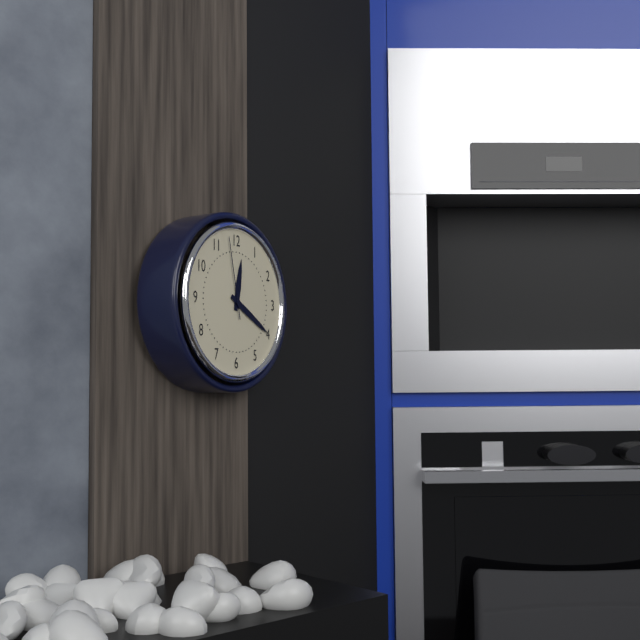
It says 12.20.58
